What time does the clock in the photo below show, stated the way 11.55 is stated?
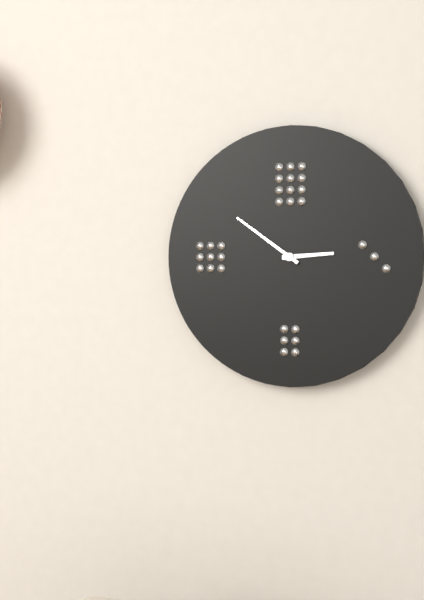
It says 2.51
